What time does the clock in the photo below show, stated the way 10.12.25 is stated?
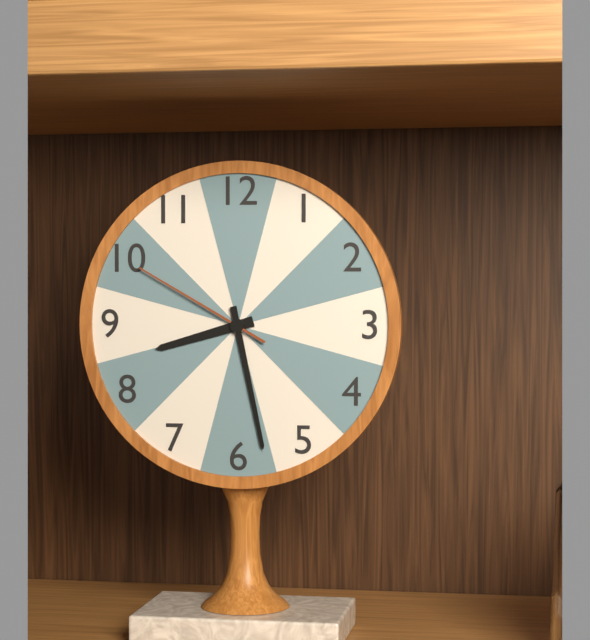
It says 8.28.50
